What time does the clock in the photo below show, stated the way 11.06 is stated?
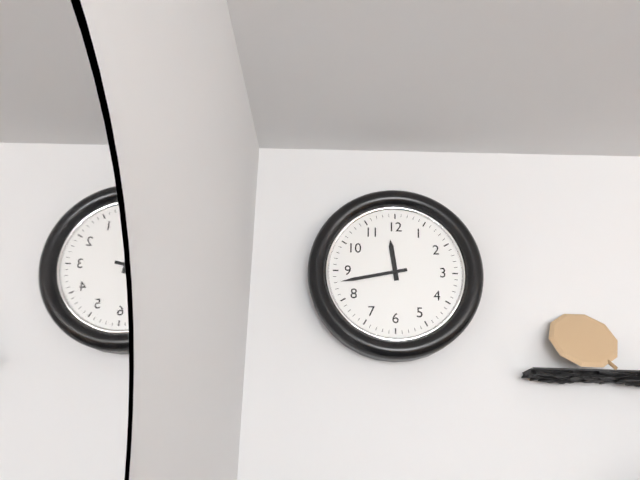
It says 11.43
